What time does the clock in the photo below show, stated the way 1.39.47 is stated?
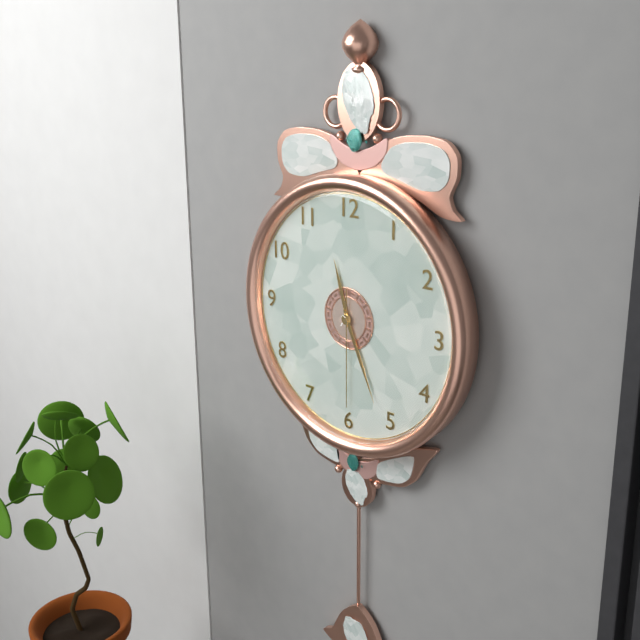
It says 11.26.30
